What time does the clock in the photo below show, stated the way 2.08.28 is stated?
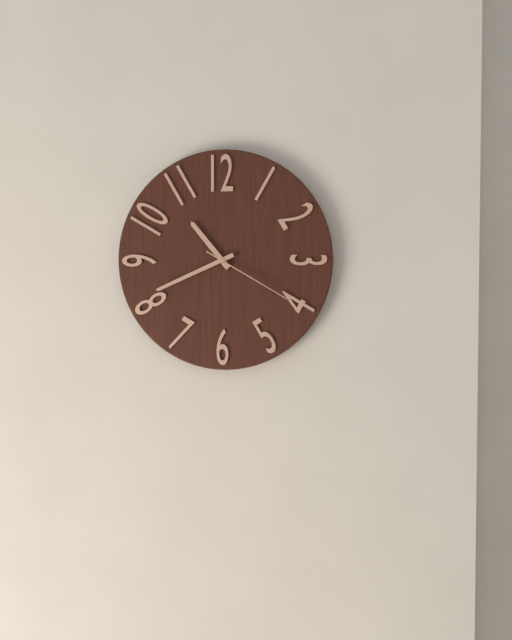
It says 10.41.20
